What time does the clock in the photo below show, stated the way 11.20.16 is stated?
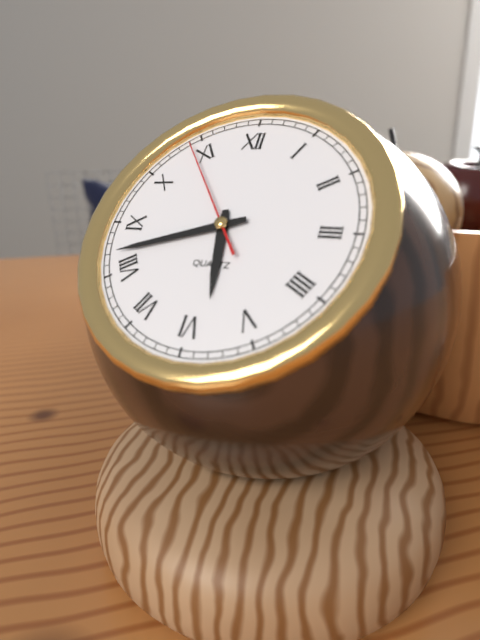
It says 5.42.54
